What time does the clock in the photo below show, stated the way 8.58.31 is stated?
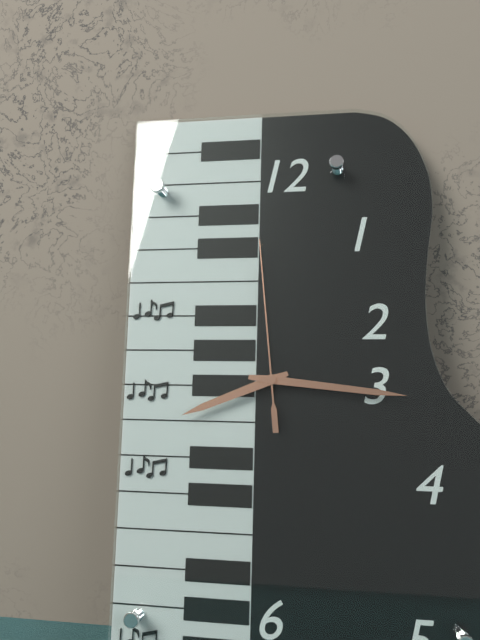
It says 8.16.59
